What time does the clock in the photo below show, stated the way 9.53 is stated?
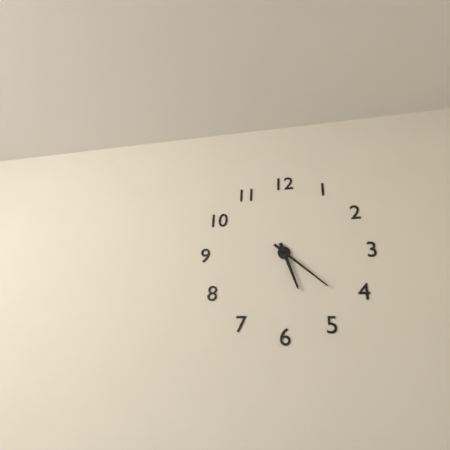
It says 5.22
